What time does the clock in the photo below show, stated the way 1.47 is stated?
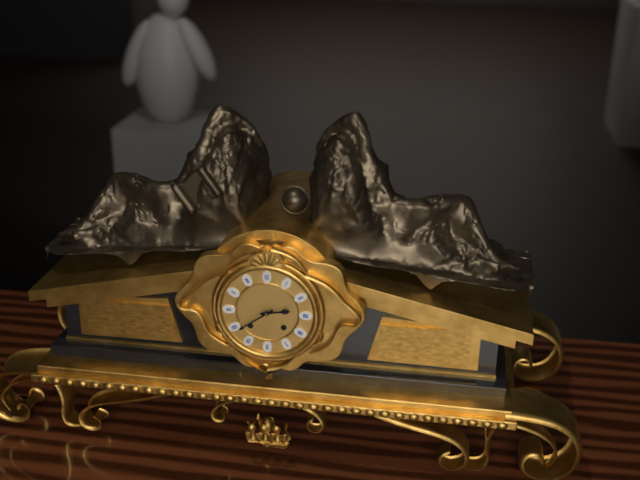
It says 2.39
